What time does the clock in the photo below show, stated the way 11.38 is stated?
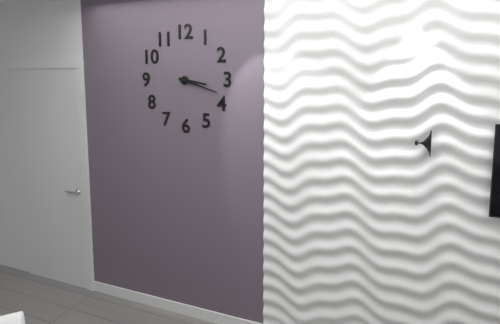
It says 3.18
